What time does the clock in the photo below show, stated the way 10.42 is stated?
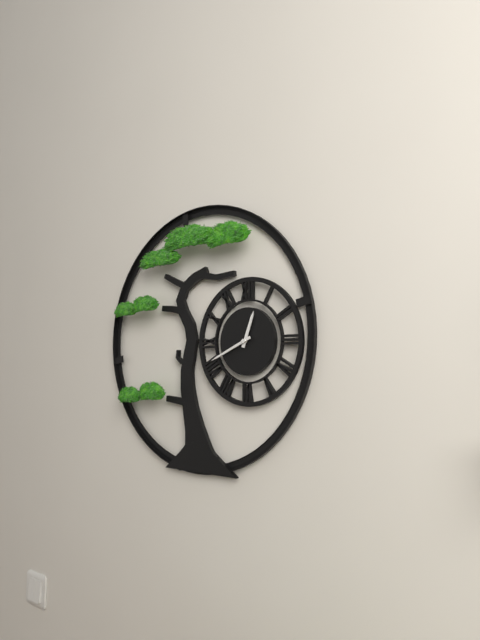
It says 12.41
